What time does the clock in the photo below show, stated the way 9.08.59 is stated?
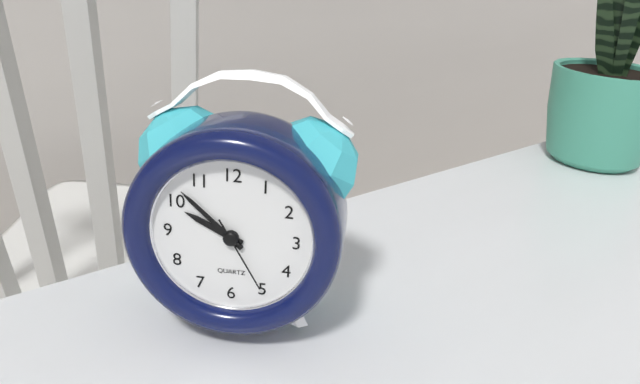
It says 9.52.25
